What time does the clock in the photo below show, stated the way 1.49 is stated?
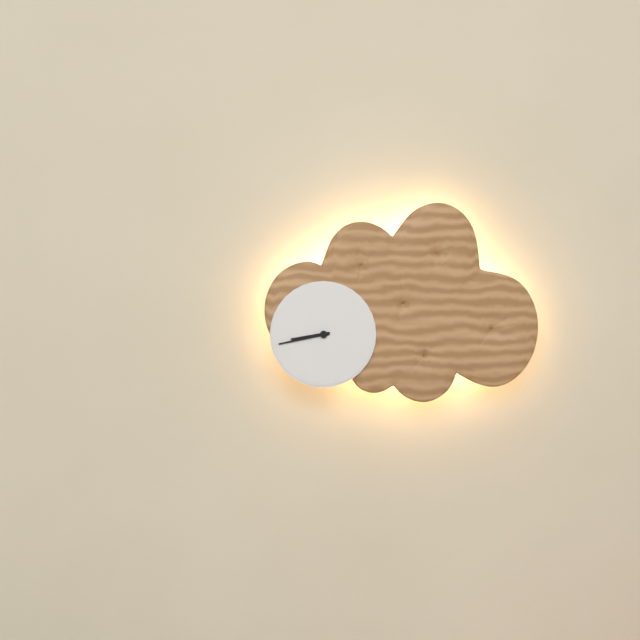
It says 8.43
